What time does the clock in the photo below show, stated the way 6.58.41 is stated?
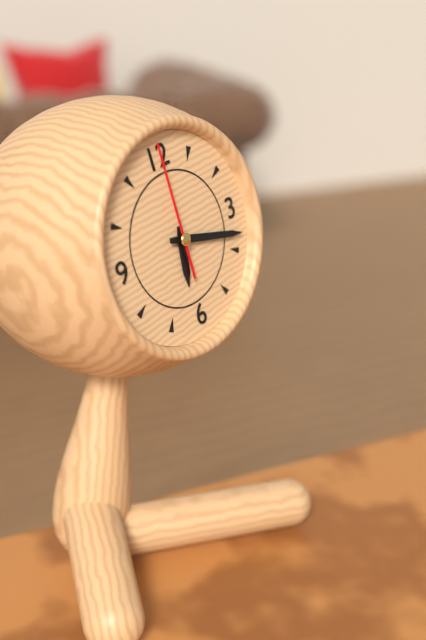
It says 6.18.00
